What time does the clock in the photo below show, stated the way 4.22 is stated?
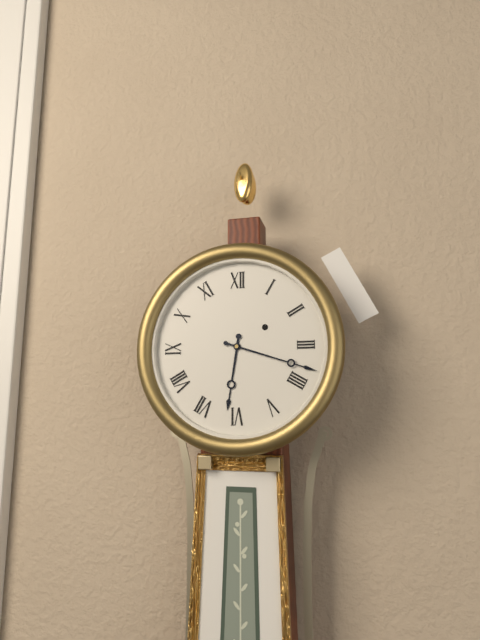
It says 6.18
